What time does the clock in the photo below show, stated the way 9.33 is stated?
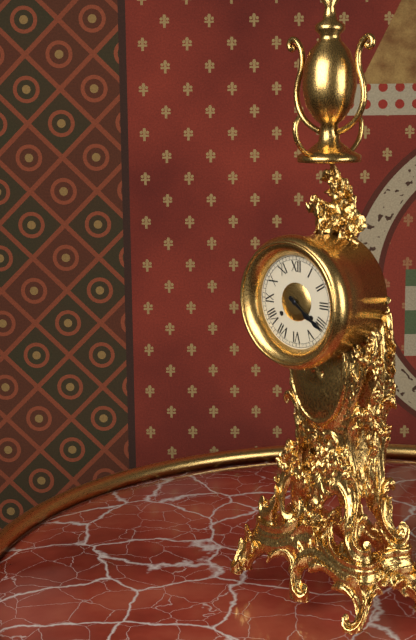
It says 4.21
